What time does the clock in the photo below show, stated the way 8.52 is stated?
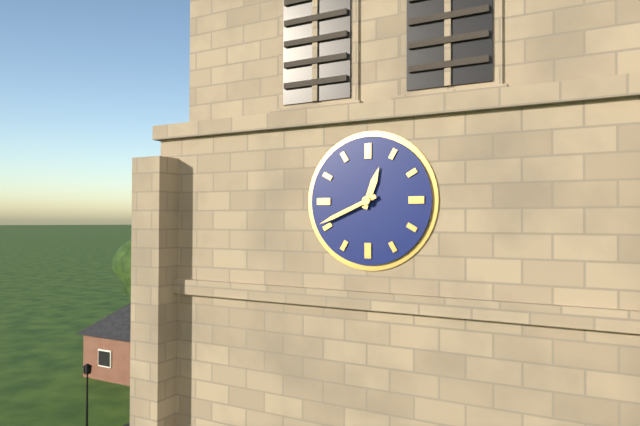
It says 12.41
